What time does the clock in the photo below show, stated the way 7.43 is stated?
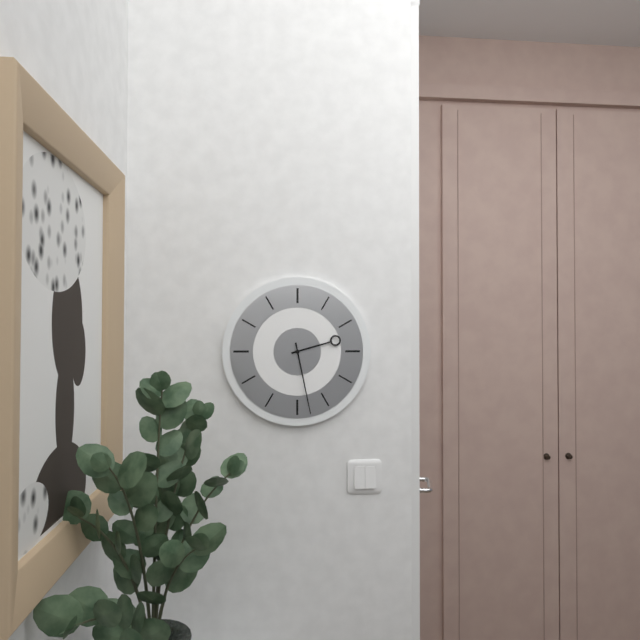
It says 2.28
